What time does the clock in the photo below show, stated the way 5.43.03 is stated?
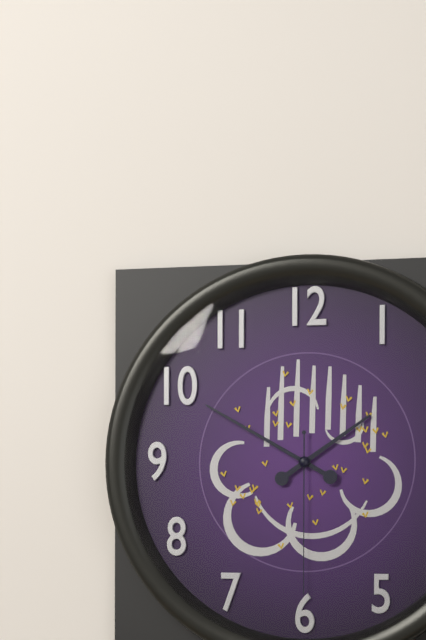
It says 1.50.30
